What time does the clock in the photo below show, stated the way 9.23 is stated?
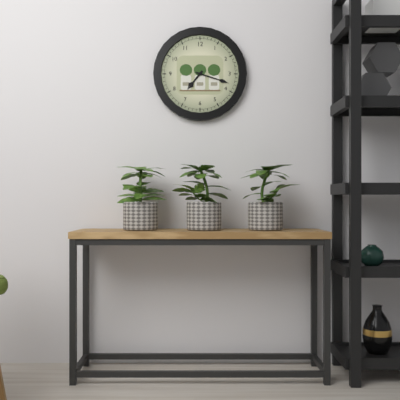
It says 7.18
